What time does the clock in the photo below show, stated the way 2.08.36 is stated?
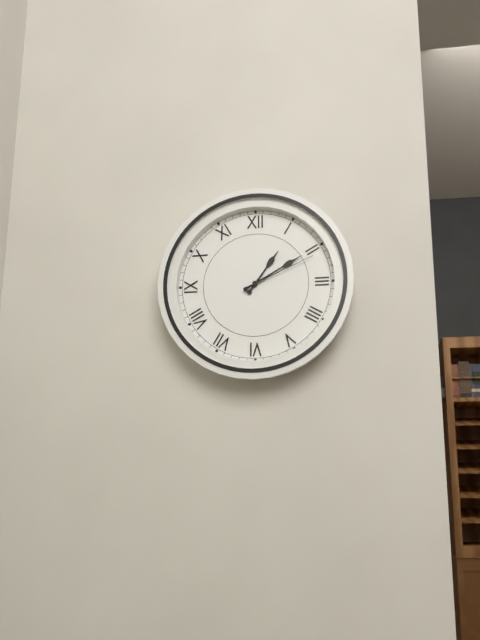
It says 1.10.11
